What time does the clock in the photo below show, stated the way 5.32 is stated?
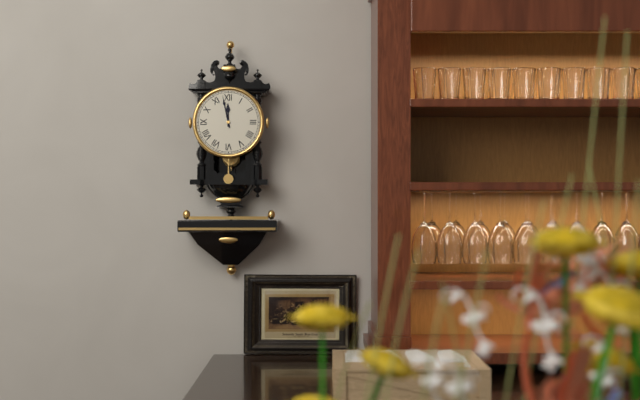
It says 11.58
